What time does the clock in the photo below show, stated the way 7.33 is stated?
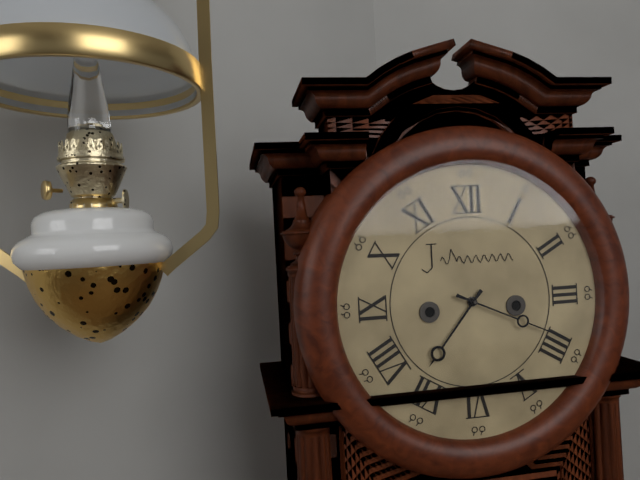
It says 7.19
